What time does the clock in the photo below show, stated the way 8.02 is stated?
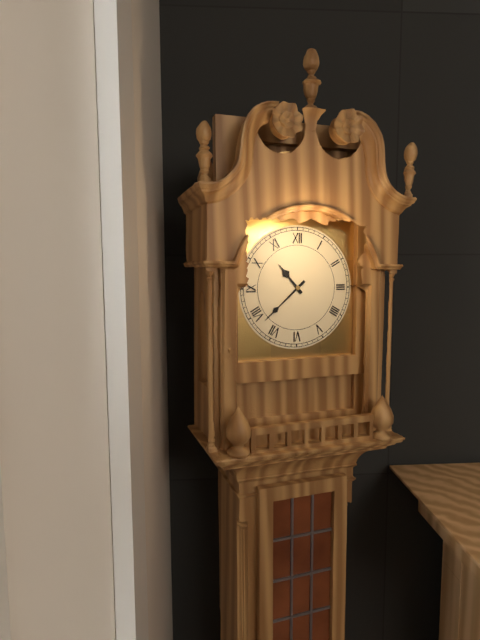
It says 10.38
